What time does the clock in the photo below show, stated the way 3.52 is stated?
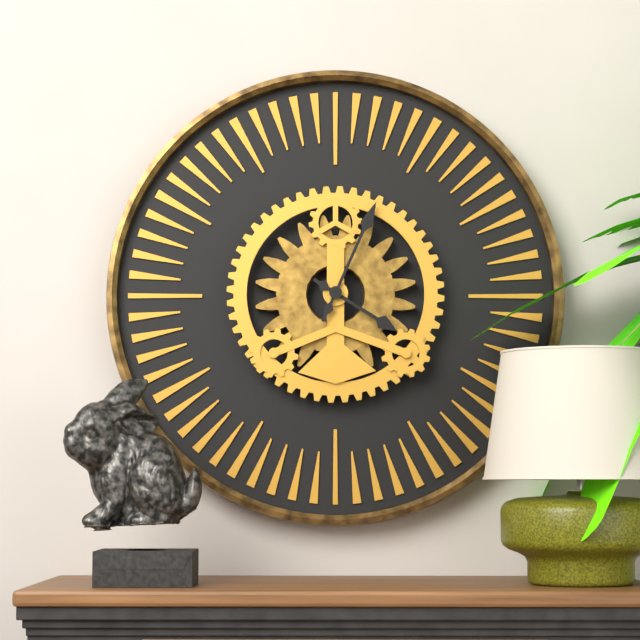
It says 4.04
